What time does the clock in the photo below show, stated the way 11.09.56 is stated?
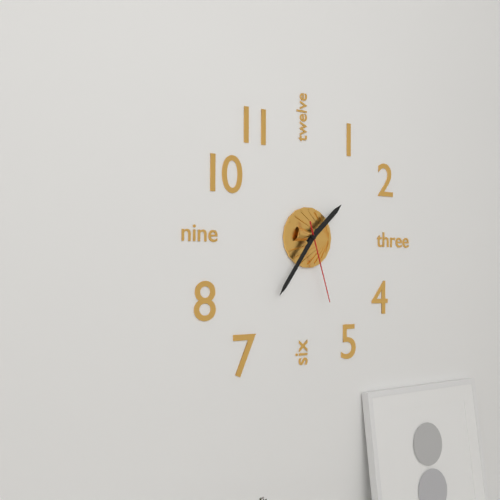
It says 1.36.27
